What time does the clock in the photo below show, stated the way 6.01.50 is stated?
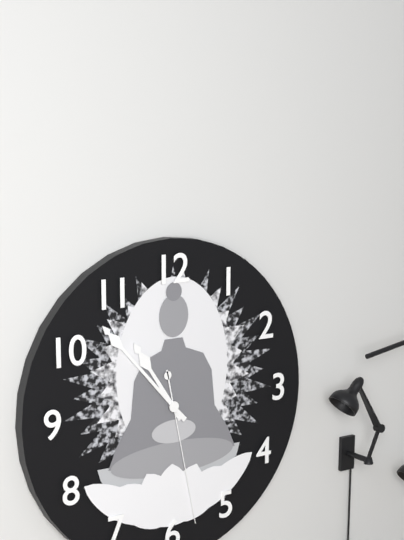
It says 10.53.28
